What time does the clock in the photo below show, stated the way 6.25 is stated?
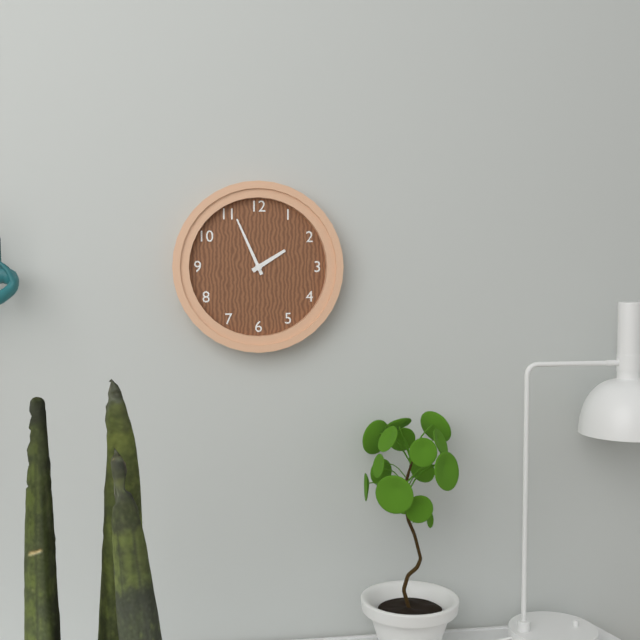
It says 1.56
